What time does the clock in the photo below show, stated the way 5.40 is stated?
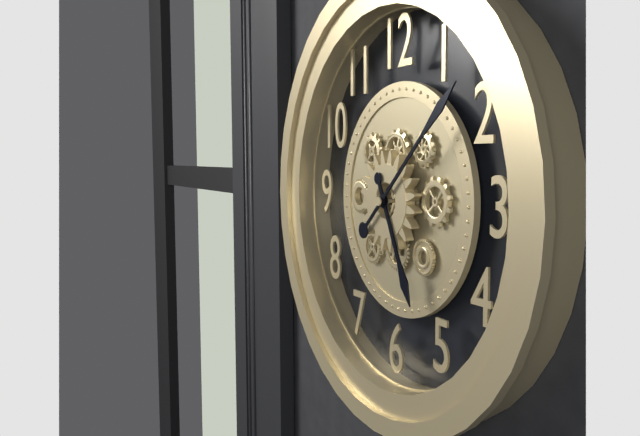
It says 5.08
